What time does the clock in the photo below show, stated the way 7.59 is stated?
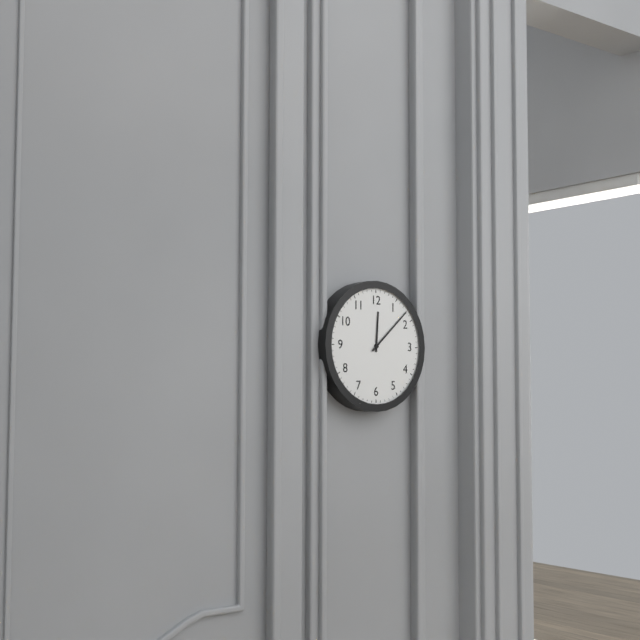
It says 12.08
